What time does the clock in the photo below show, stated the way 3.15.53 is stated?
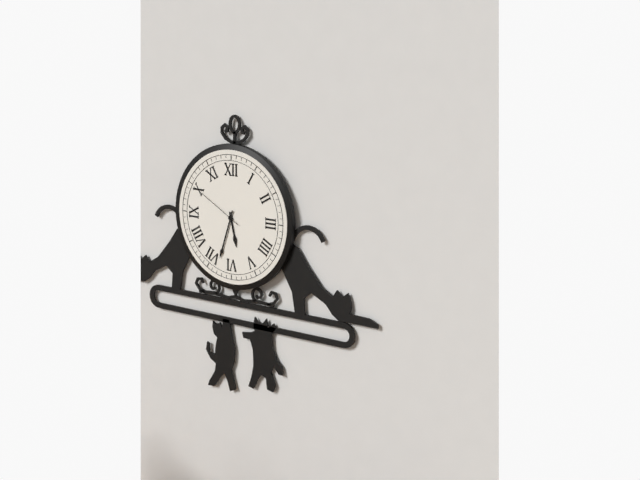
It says 5.33.50
